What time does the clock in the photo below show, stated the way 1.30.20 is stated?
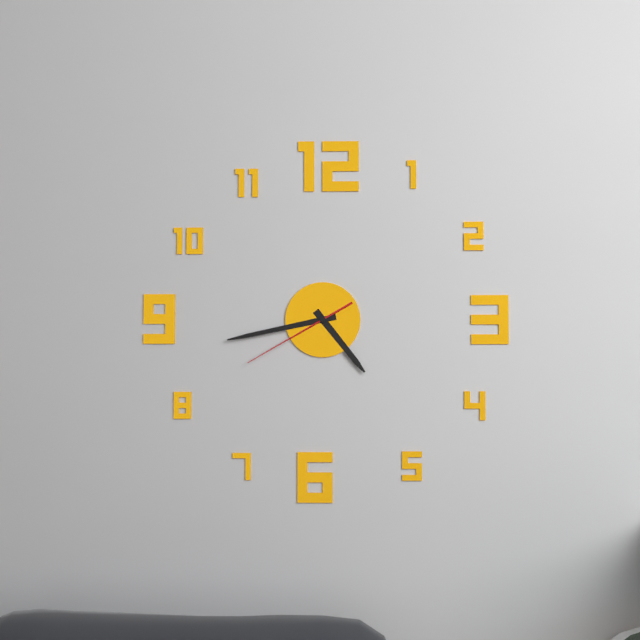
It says 4.43.40
